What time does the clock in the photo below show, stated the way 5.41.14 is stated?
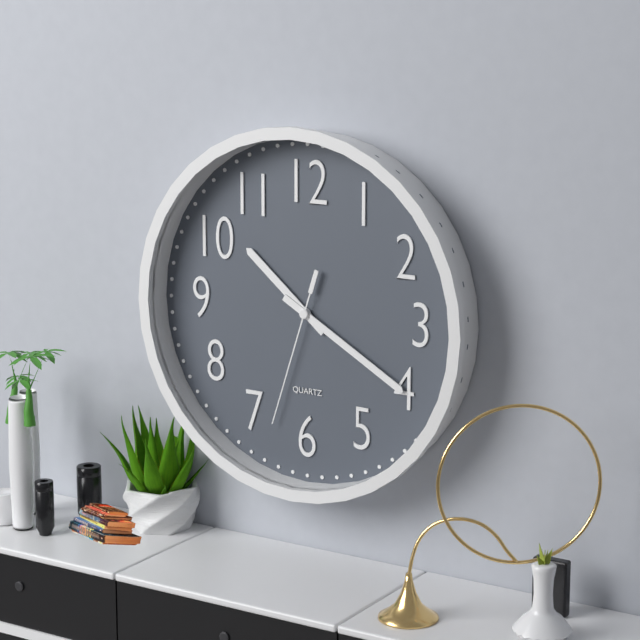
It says 10.20.33
